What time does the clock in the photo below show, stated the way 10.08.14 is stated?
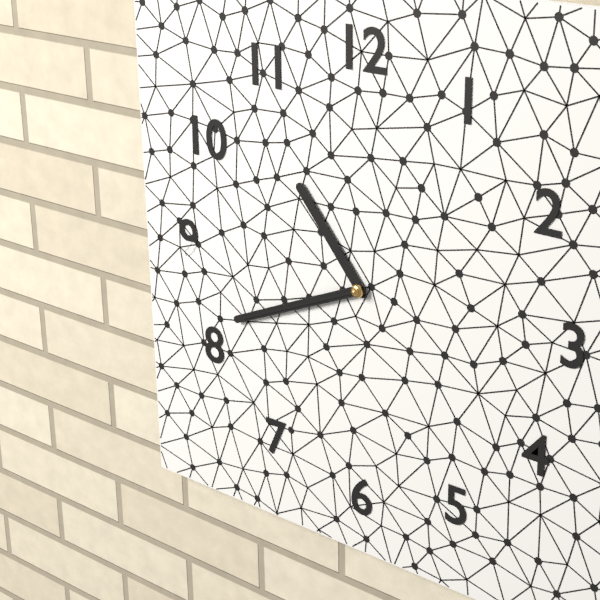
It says 10.41.41
